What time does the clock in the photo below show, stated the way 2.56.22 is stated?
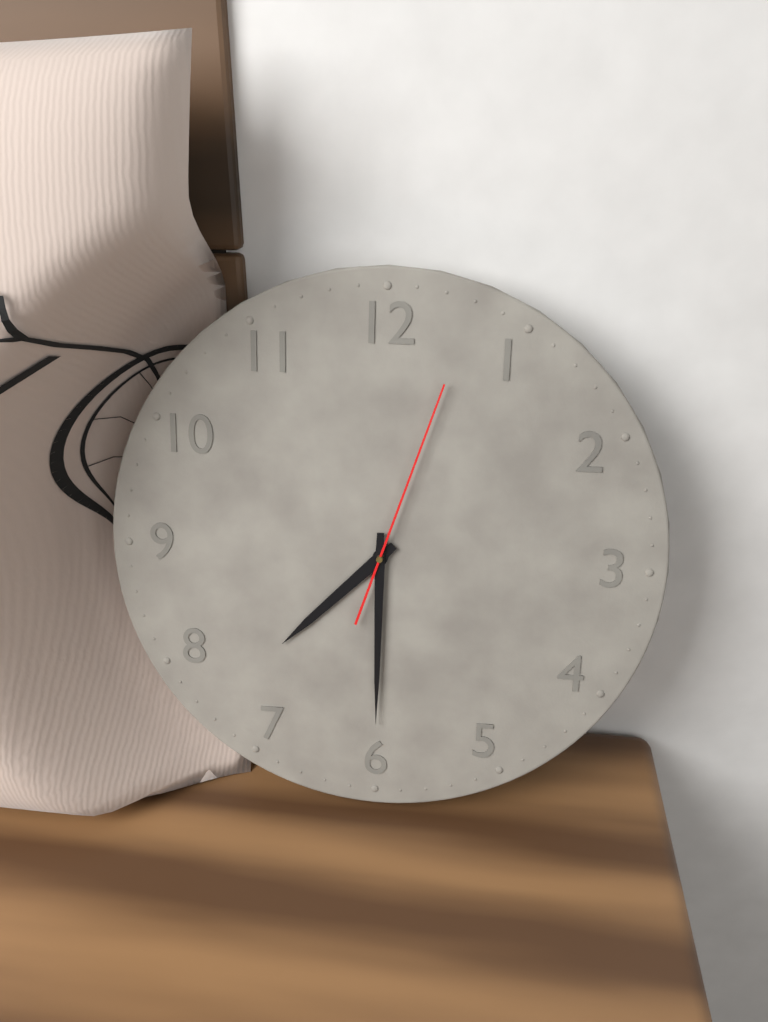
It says 7.30.03
